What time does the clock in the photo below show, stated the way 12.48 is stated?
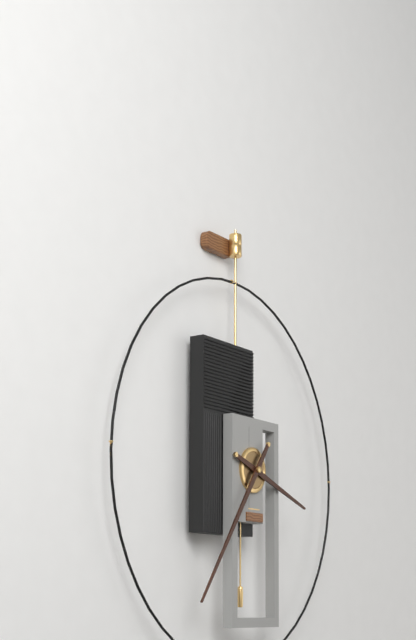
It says 3.36
